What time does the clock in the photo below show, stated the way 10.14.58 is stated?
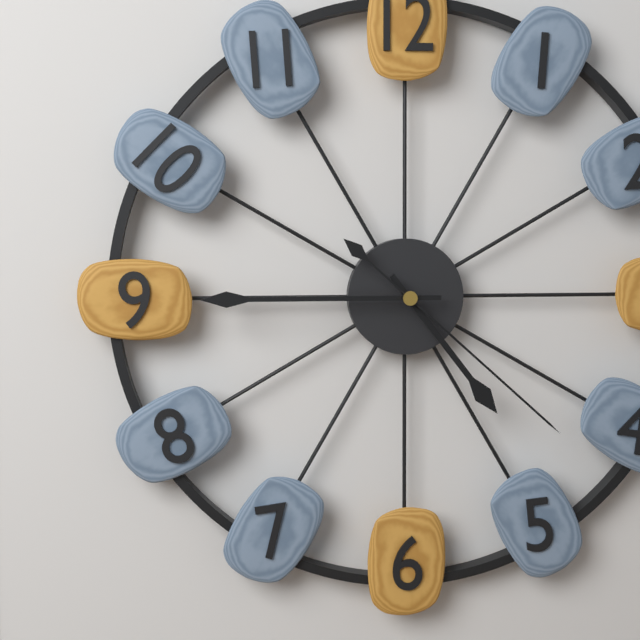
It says 4.45.22
